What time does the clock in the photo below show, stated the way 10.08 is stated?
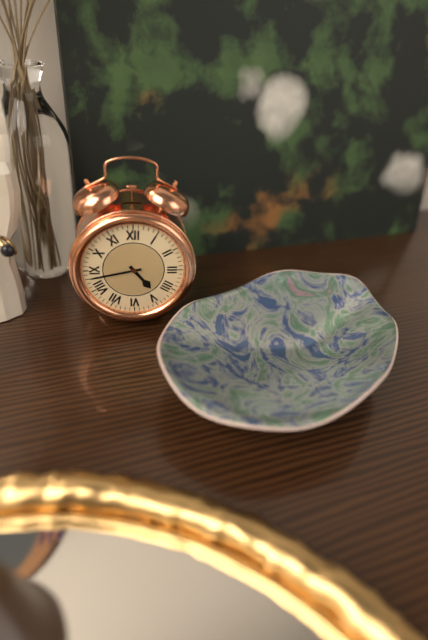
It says 4.43
